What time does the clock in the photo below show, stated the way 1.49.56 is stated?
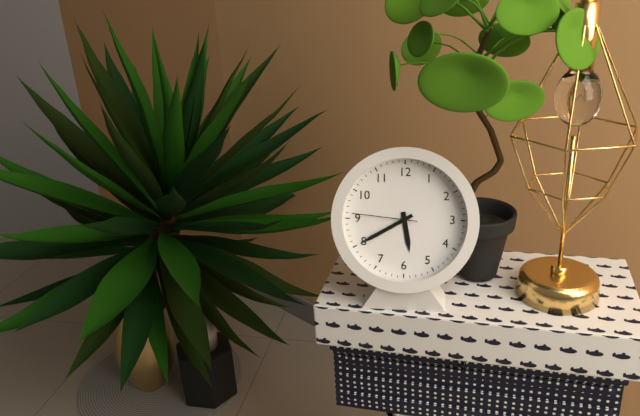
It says 5.40.46
